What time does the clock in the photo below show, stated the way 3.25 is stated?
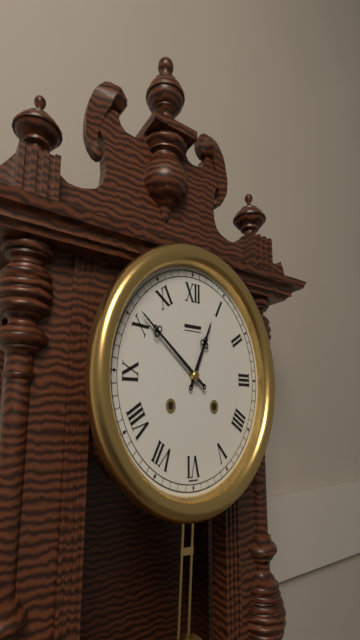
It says 12.51
